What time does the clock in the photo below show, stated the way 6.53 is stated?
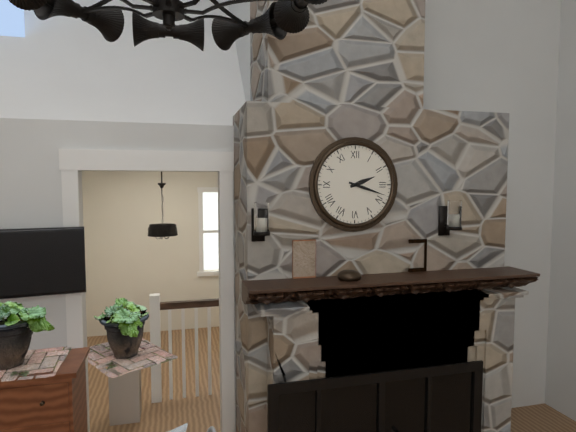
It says 2.18
